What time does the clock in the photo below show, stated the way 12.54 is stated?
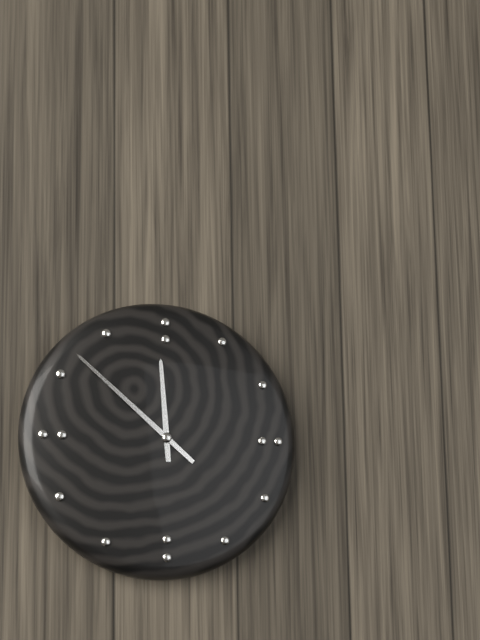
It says 11.52
